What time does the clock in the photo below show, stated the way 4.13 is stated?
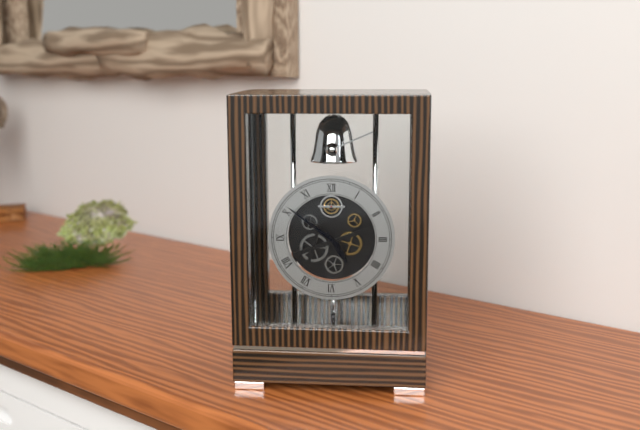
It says 4.51
